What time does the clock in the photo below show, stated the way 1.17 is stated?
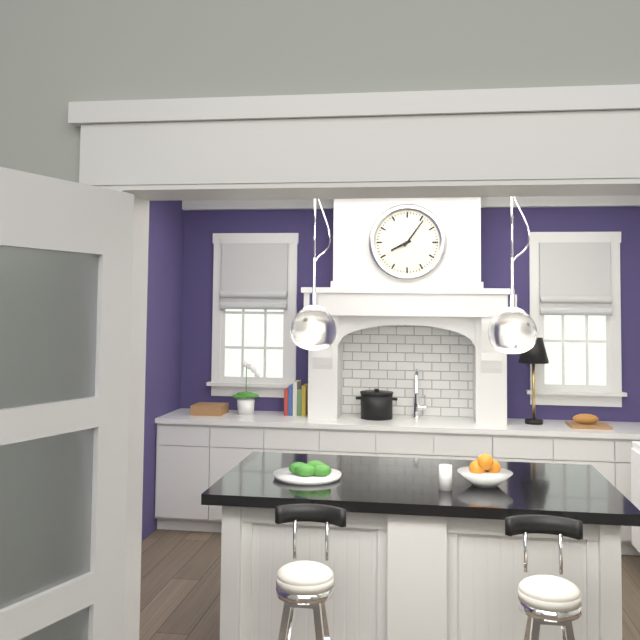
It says 8.06
